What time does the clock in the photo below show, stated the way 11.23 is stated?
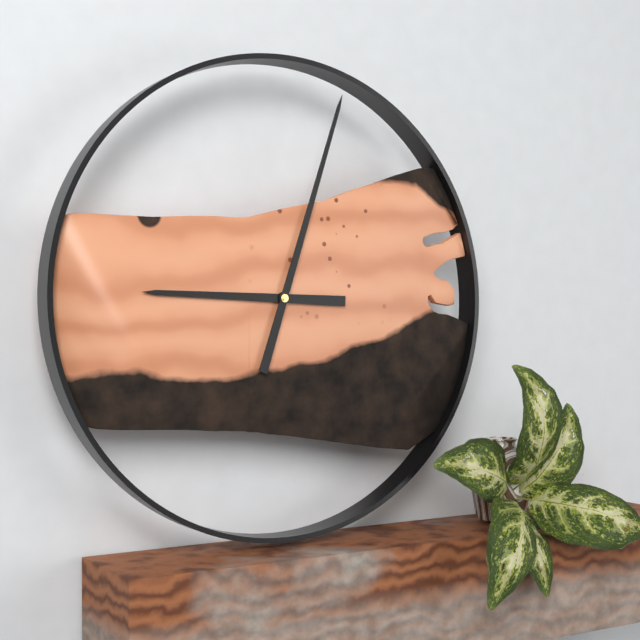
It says 9.03
